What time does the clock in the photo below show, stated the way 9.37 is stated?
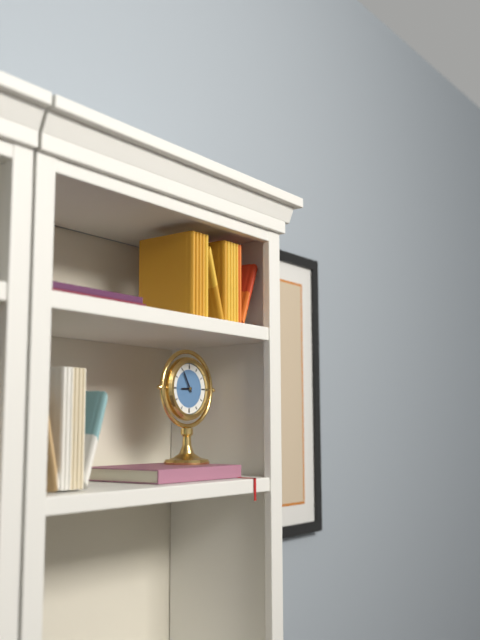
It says 8.55
